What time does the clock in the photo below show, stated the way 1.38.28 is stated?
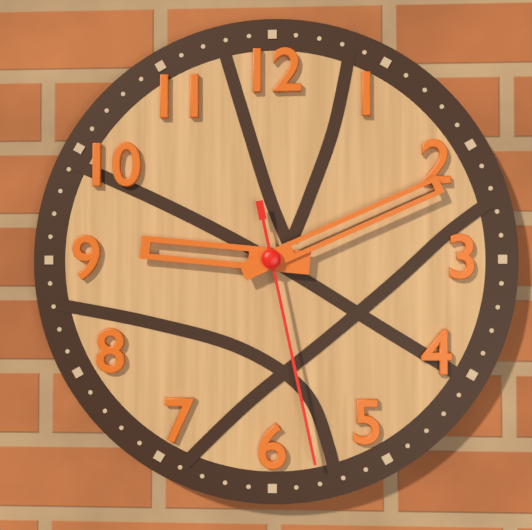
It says 9.11.28
